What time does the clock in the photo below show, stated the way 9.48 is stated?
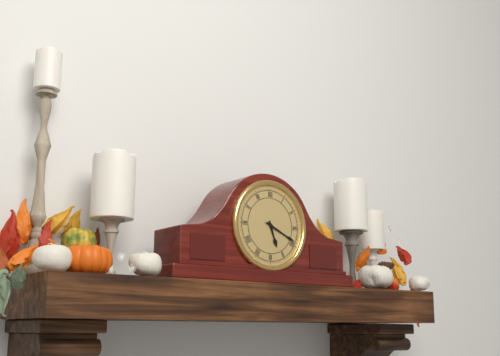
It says 5.19
